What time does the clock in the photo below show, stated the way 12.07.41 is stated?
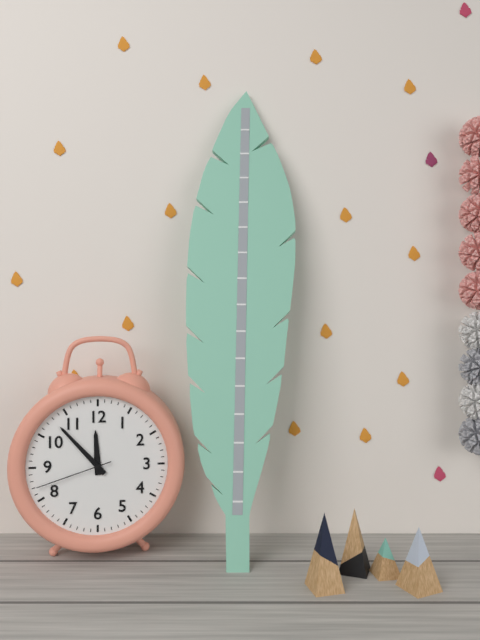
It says 11.53.42
